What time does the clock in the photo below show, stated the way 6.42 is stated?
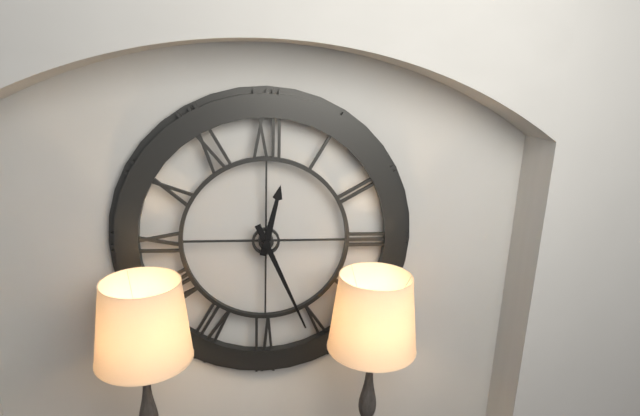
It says 12.26
